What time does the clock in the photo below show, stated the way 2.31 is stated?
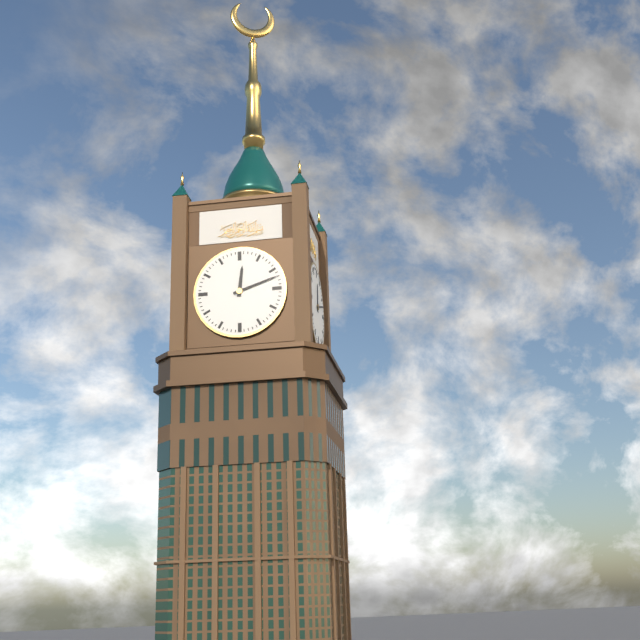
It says 12.12
